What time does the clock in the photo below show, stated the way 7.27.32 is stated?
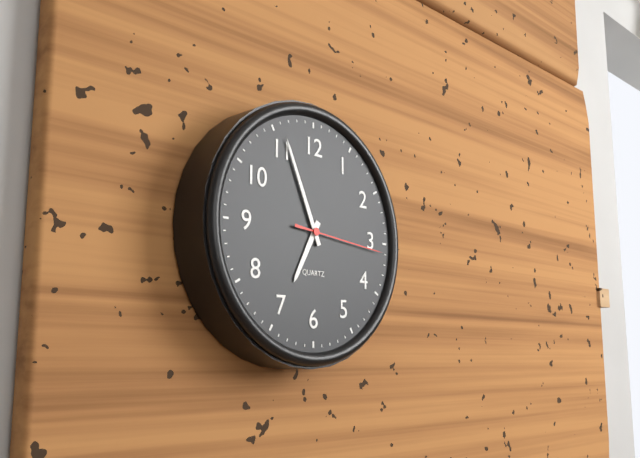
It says 6.56.16
